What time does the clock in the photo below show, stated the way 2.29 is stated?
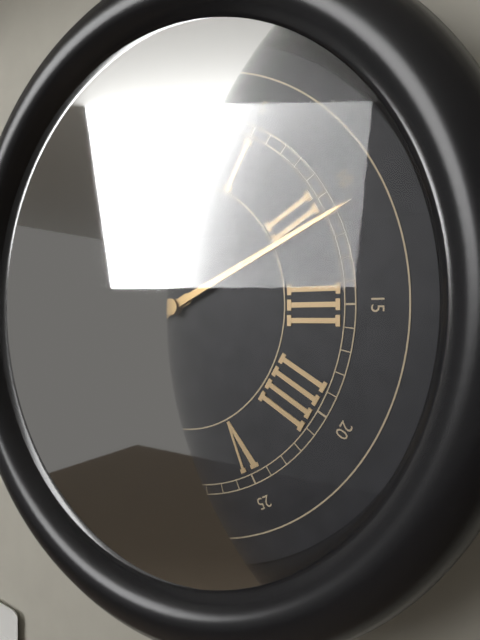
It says 8.11
